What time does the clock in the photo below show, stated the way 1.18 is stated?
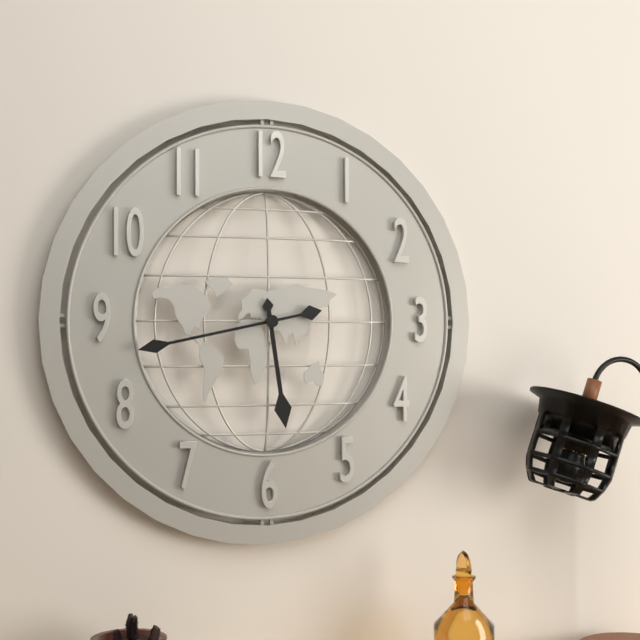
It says 5.43
